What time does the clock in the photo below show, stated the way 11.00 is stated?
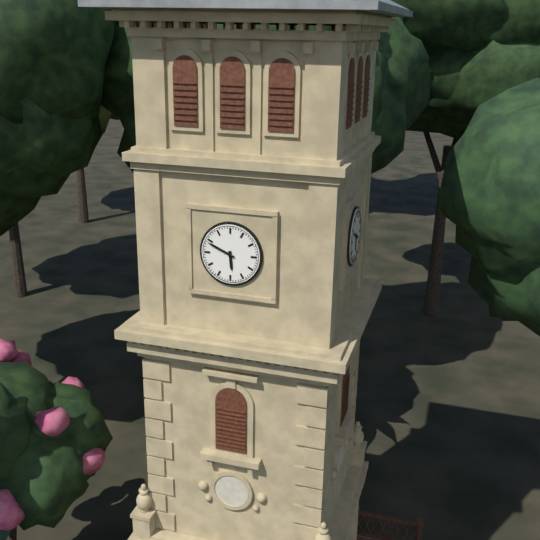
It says 5.49
